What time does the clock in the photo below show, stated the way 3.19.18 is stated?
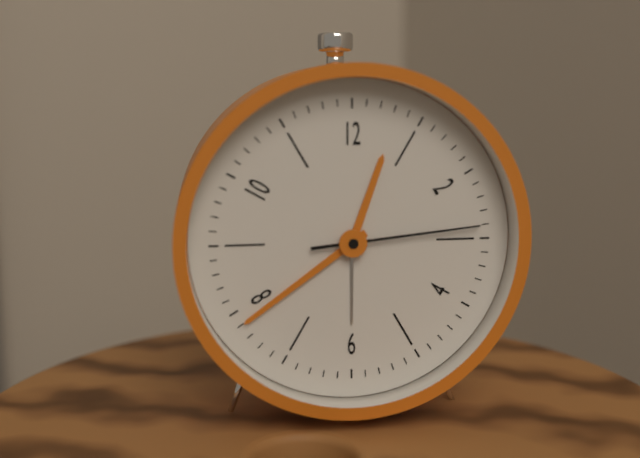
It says 12.39.14
